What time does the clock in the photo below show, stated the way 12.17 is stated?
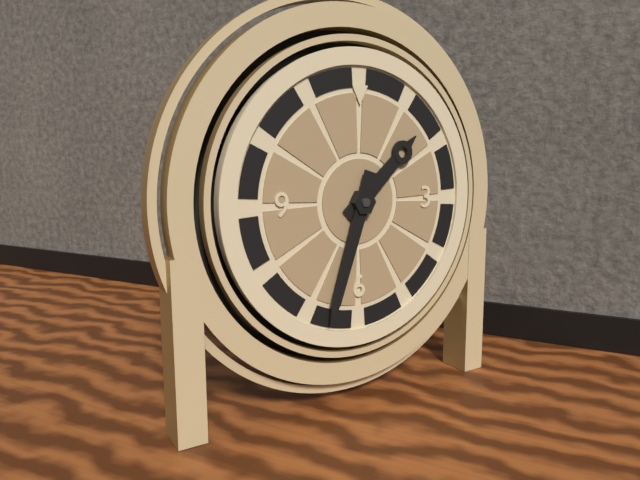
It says 1.33
